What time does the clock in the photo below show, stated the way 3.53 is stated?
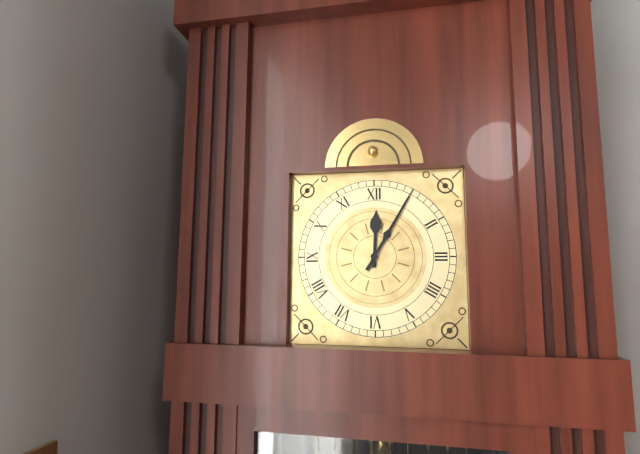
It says 12.05
